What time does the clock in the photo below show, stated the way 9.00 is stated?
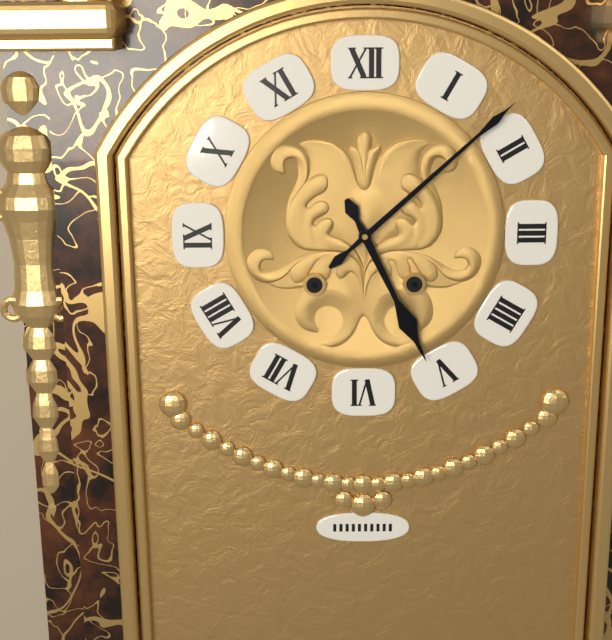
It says 5.08
